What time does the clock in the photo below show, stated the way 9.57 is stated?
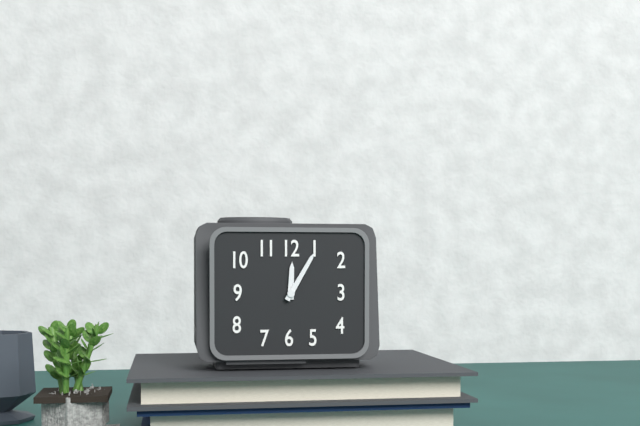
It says 12.05
